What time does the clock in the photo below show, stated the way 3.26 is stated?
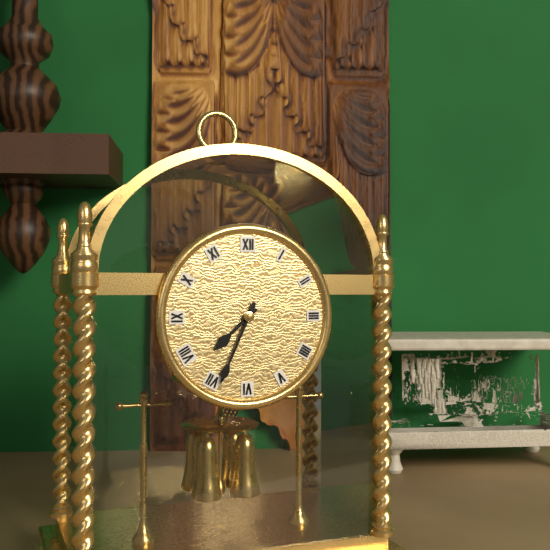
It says 7.34
